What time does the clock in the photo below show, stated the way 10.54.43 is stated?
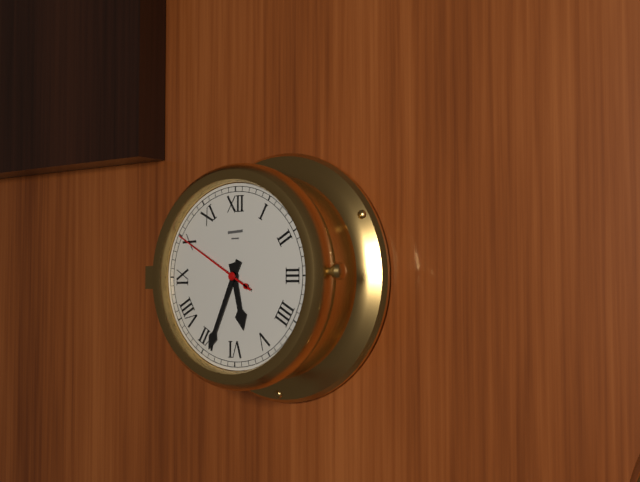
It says 5.34.50
